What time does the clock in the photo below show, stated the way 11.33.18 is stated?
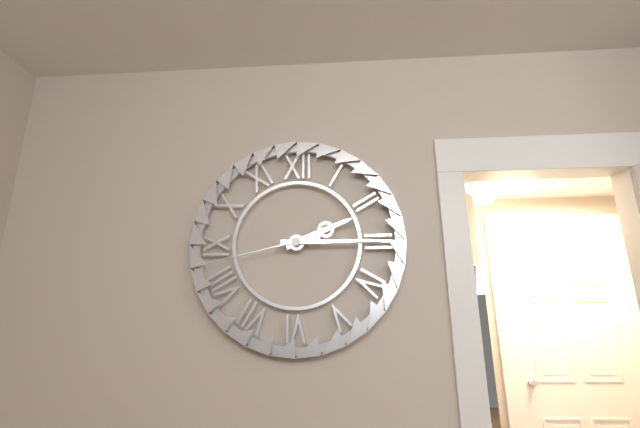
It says 2.15.43
